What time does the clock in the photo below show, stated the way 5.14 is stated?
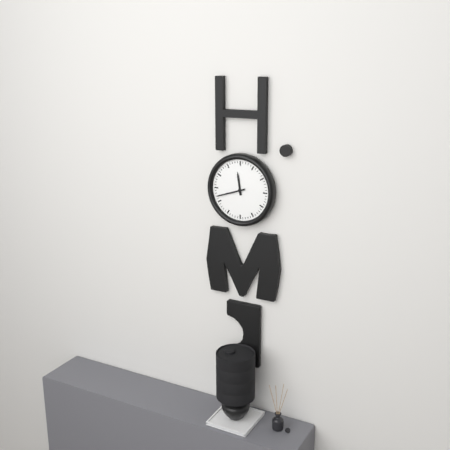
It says 11.42
